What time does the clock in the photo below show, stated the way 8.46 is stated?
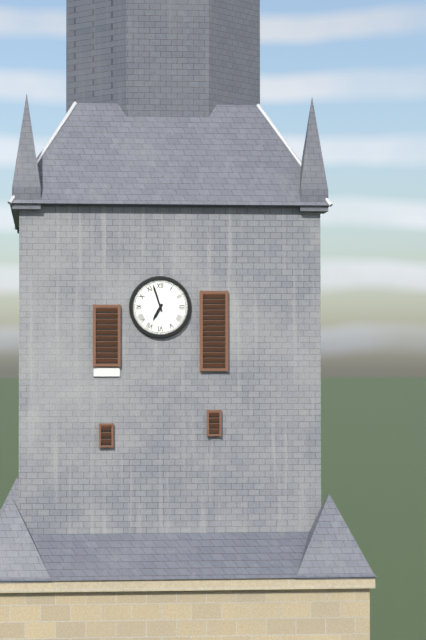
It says 6.57
